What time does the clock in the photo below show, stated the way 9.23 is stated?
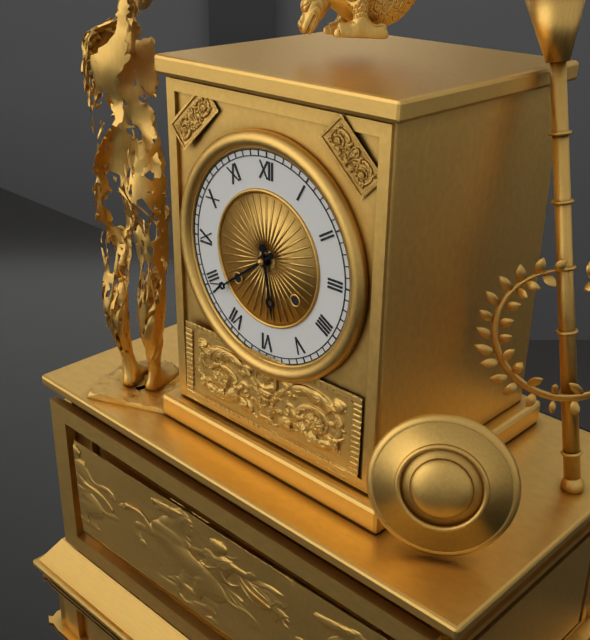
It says 5.39
